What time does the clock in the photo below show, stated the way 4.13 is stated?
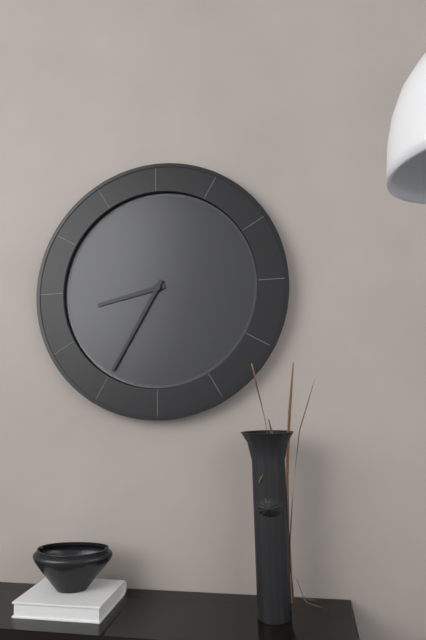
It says 8.35
